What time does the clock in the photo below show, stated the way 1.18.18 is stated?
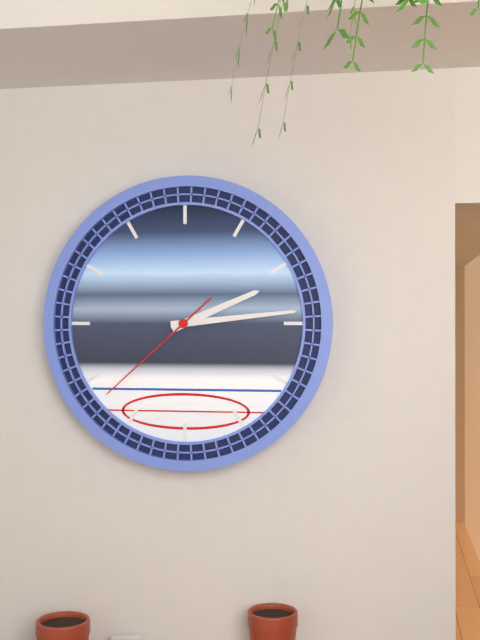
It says 2.14.38
